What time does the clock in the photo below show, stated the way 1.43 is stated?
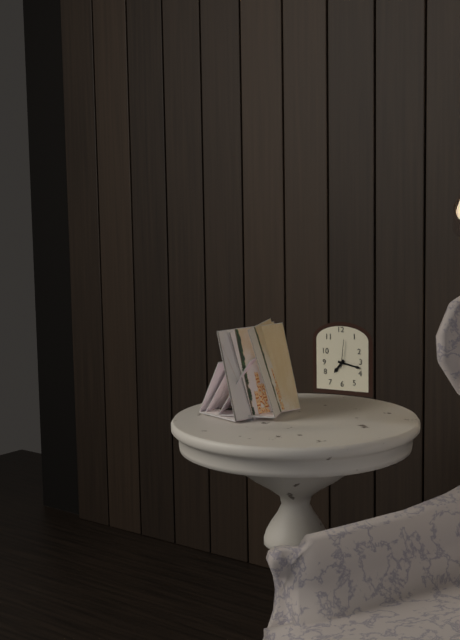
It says 7.17
